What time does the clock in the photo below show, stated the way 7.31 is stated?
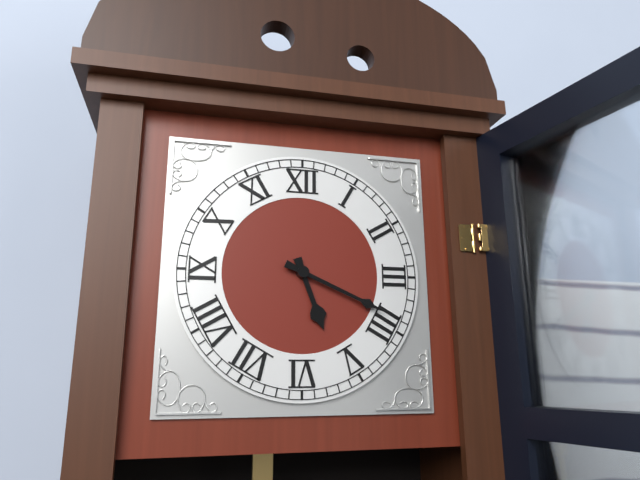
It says 5.19
